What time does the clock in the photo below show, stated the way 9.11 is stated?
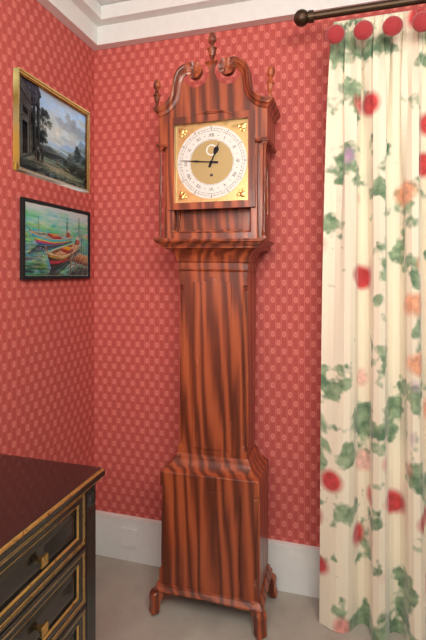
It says 12.46
